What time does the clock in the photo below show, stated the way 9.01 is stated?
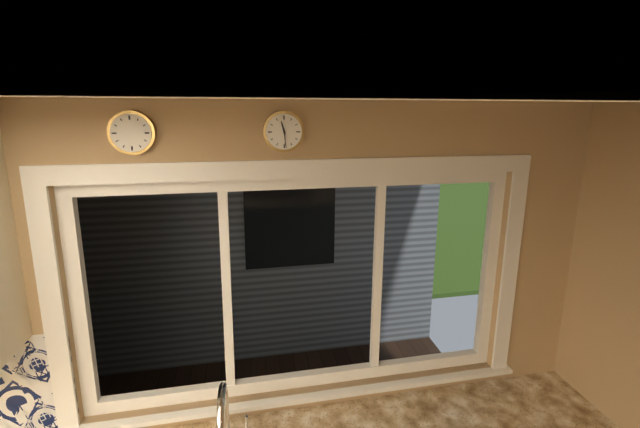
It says 11.29
